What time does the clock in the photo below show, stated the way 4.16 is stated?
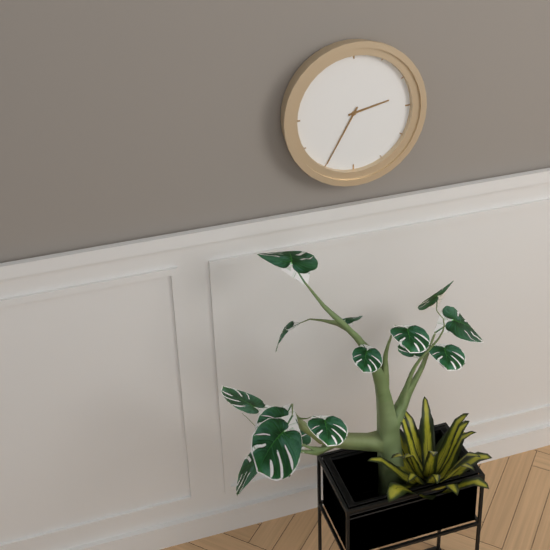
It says 2.35
